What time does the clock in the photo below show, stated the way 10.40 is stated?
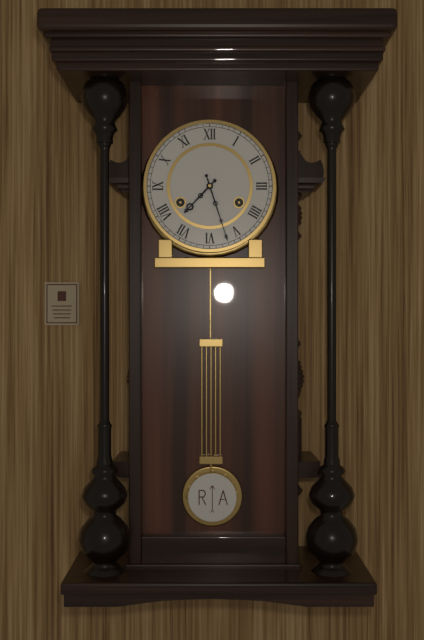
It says 7.27
